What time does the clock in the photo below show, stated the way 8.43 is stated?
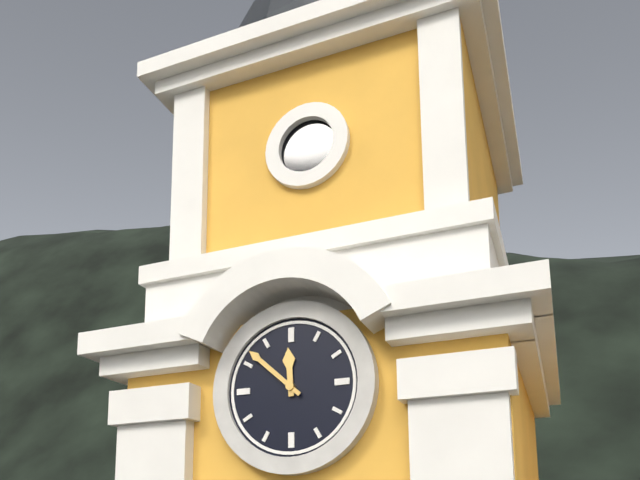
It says 11.52
